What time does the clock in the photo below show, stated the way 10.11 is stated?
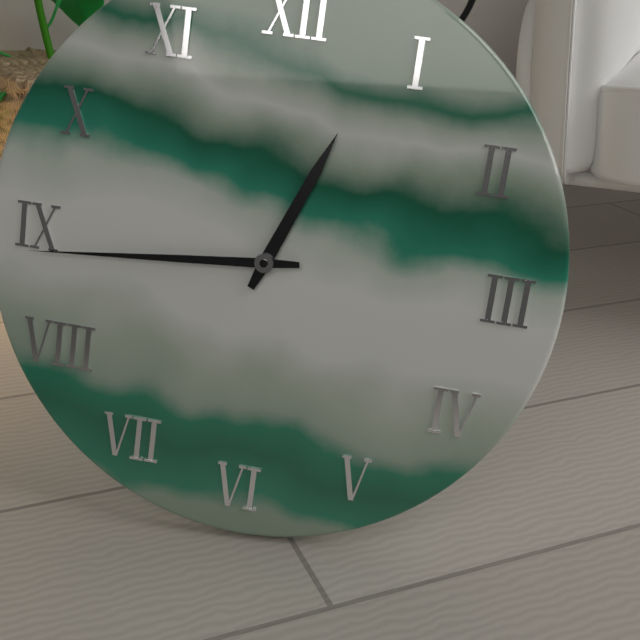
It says 12.44
